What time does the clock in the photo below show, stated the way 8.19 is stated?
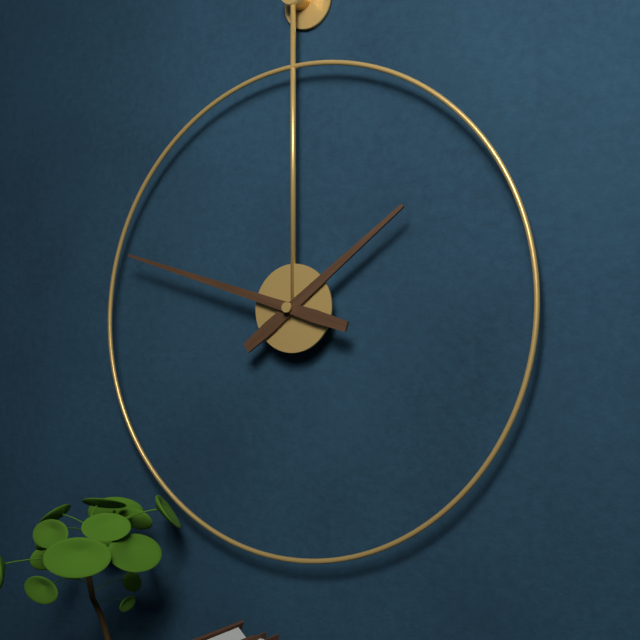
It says 1.48
